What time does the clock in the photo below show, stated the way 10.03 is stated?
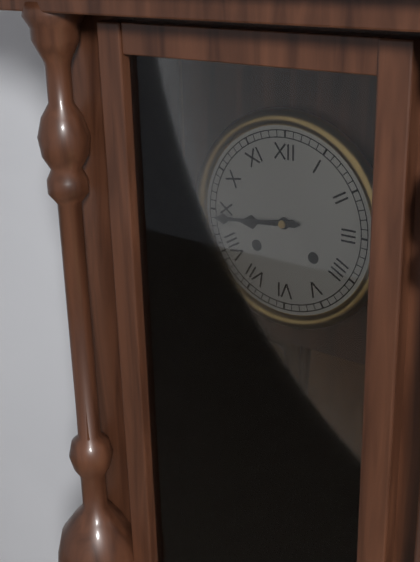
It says 8.44
